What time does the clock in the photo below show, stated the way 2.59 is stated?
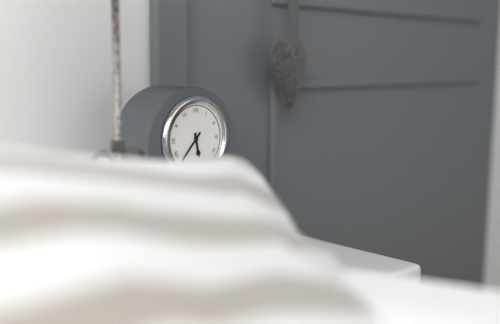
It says 5.37
